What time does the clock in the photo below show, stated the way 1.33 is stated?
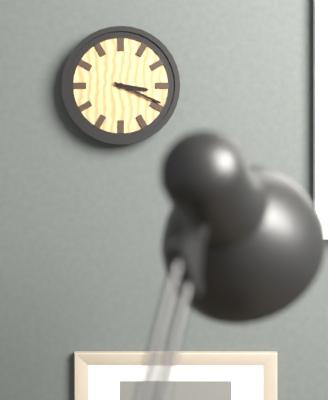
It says 3.19
